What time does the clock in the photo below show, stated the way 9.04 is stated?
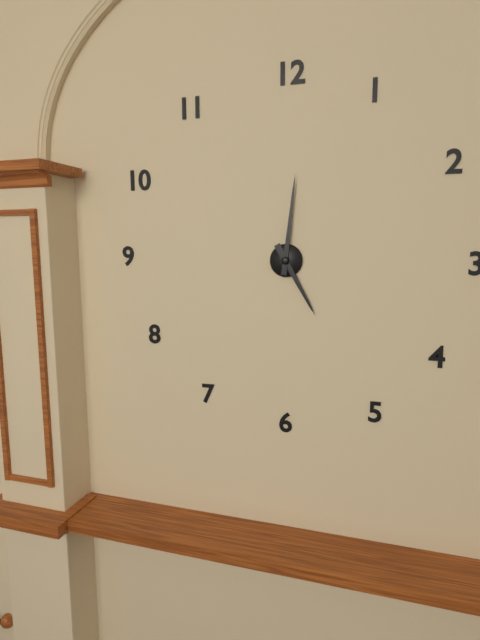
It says 5.01
